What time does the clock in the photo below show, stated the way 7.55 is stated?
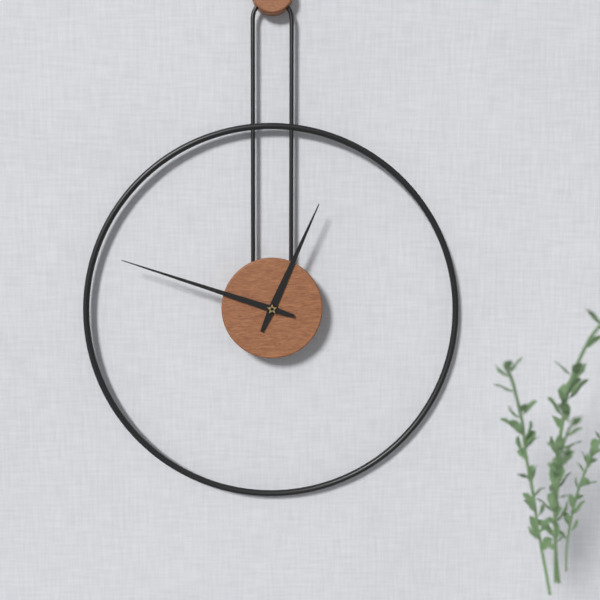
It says 12.48
